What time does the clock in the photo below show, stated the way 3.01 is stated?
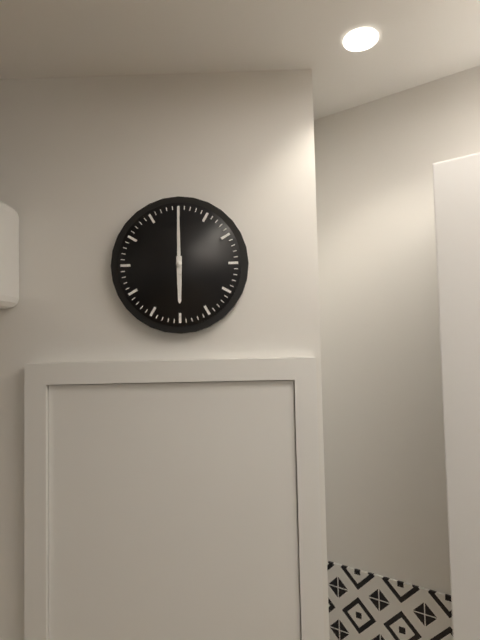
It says 6.00
